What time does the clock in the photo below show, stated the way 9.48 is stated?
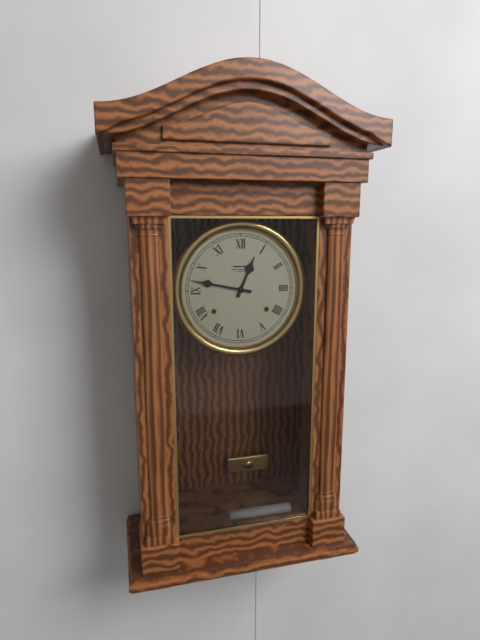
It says 12.47
